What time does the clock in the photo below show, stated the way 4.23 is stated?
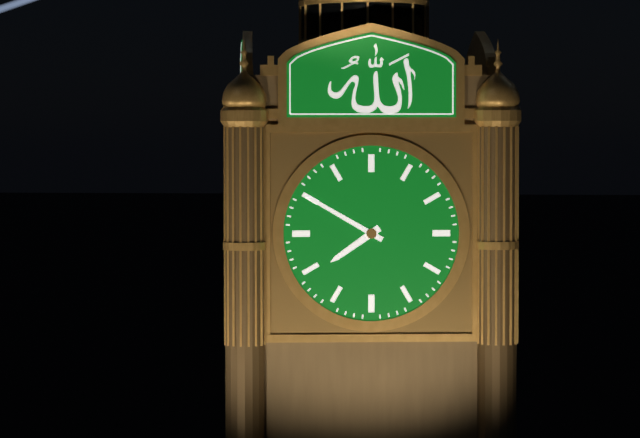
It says 7.50
